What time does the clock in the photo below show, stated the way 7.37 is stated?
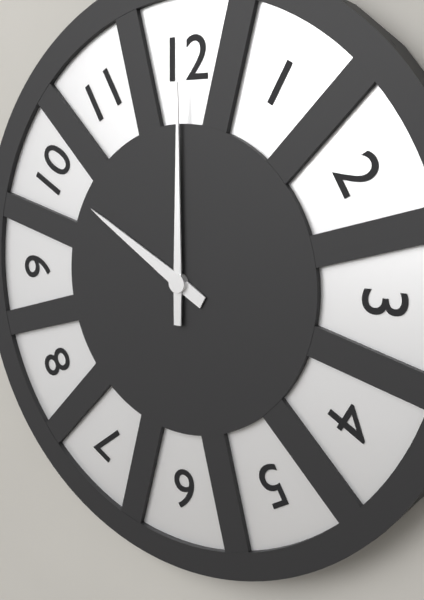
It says 10.00
